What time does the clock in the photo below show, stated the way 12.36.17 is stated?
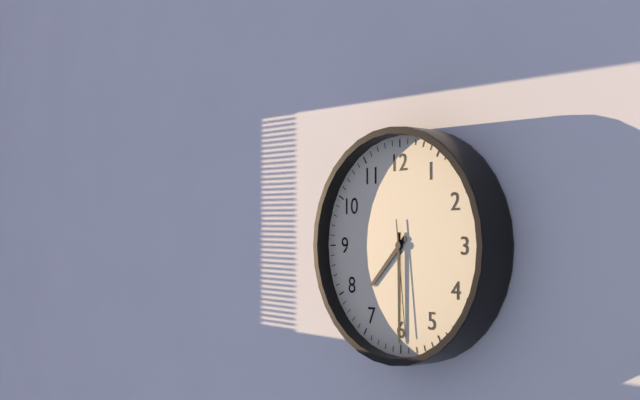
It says 7.30.29
